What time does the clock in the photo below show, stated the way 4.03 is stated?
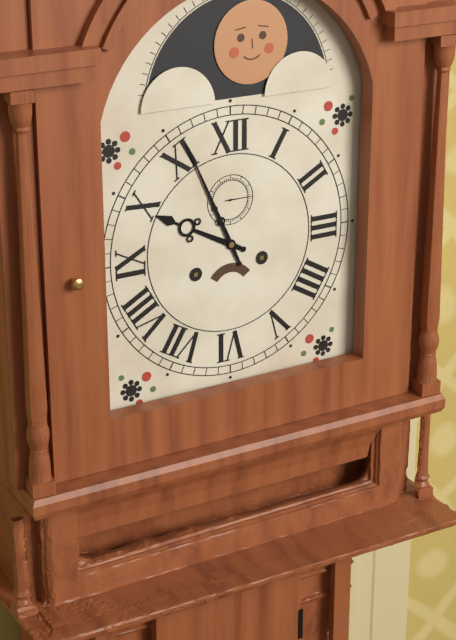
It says 9.56
